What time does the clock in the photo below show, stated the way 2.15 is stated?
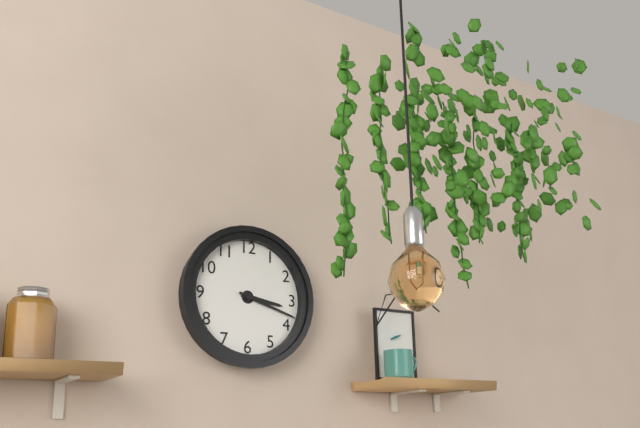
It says 3.18
